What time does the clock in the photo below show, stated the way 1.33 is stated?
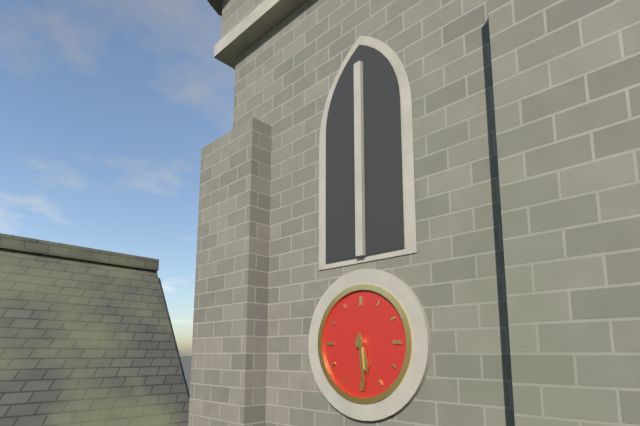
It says 5.29
